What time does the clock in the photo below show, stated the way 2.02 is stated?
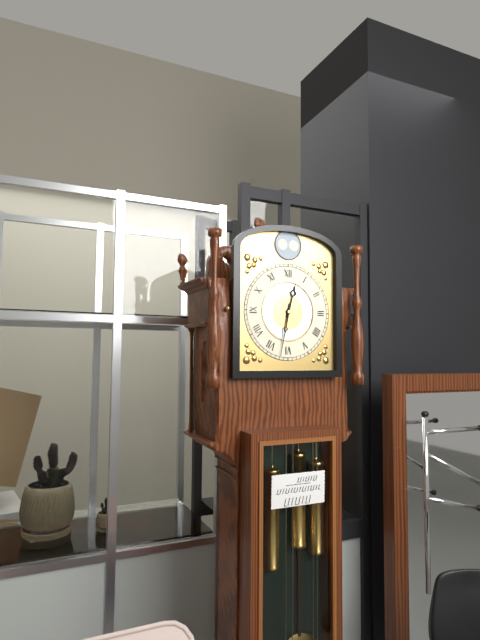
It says 12.32
